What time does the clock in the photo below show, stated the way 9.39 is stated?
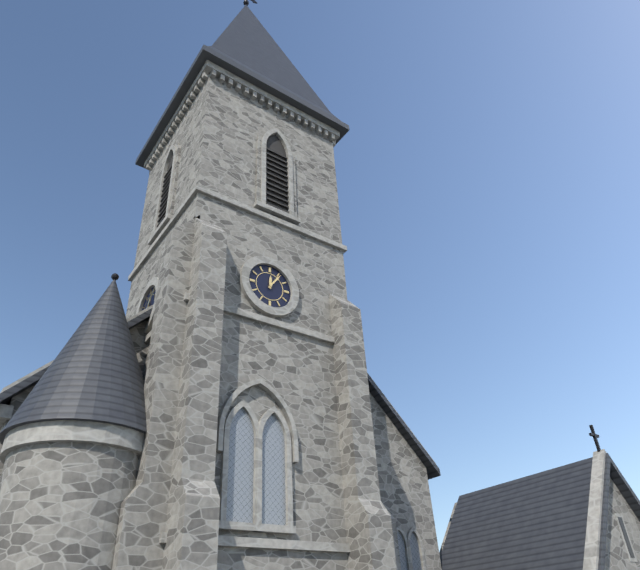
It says 12.06
